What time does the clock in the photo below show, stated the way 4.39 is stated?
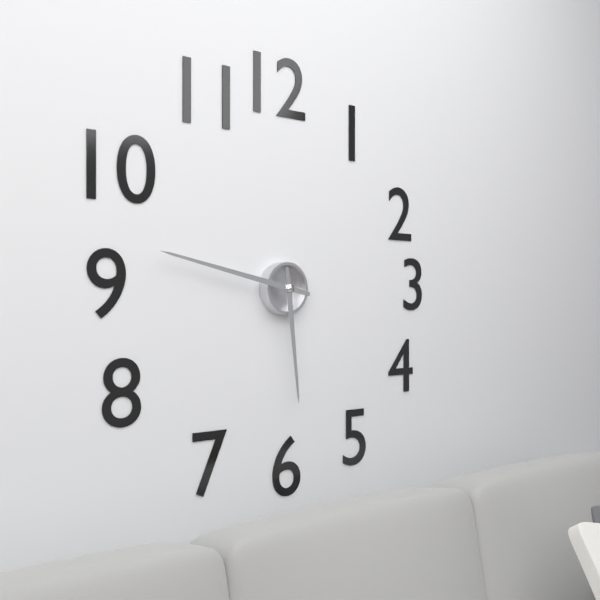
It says 5.47
